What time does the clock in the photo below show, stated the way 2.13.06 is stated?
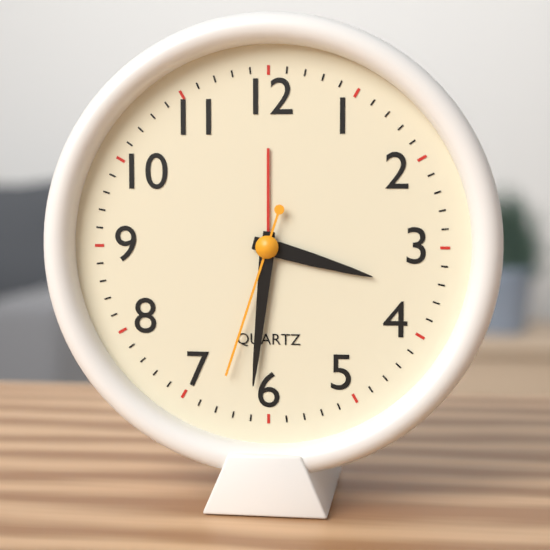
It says 3.31.33
